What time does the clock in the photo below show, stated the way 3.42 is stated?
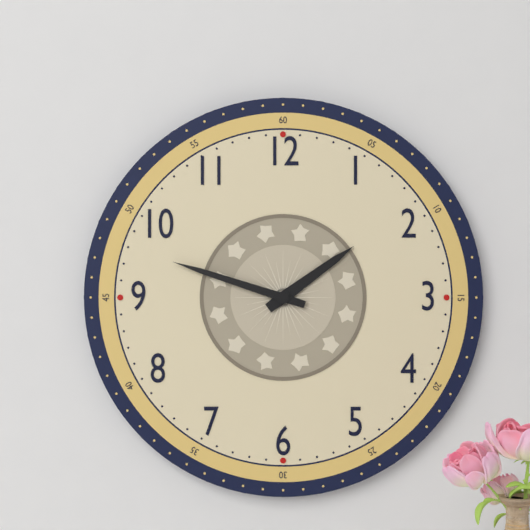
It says 1.48
